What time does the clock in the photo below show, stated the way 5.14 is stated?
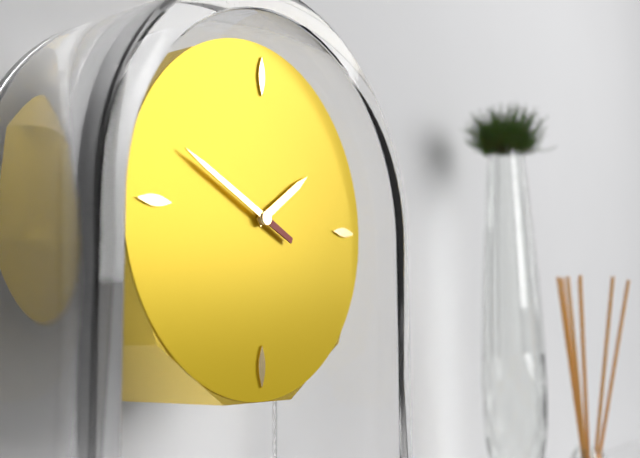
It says 1.49
